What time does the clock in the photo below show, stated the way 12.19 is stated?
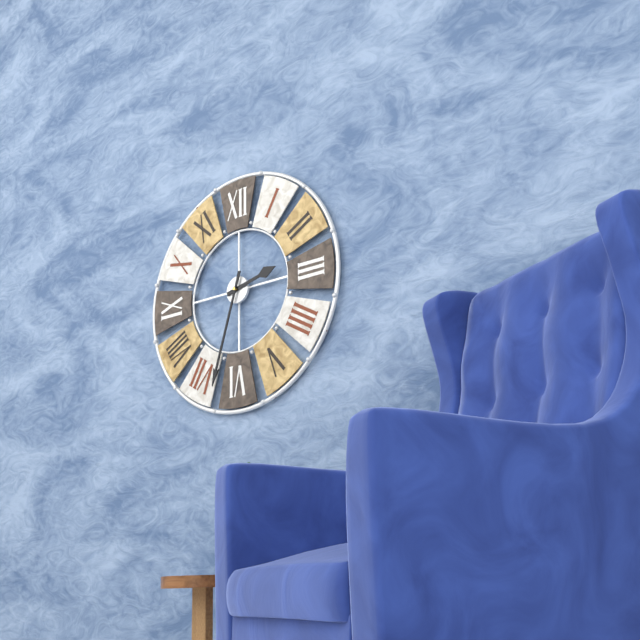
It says 2.33
